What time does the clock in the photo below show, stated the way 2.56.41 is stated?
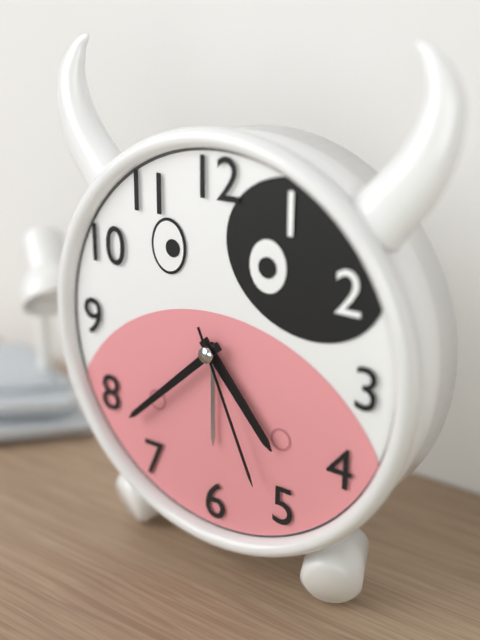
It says 4.38.26
